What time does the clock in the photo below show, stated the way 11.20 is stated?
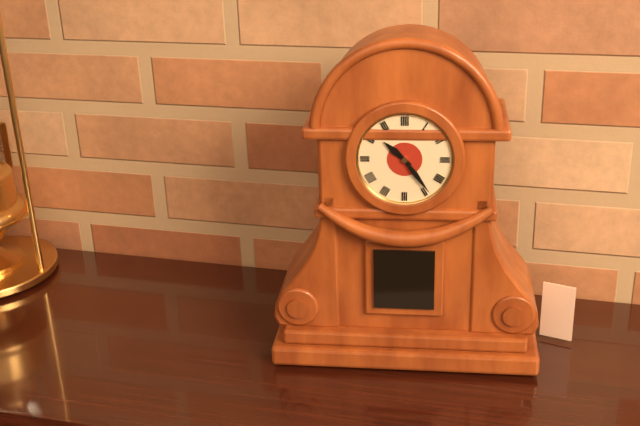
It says 10.24
